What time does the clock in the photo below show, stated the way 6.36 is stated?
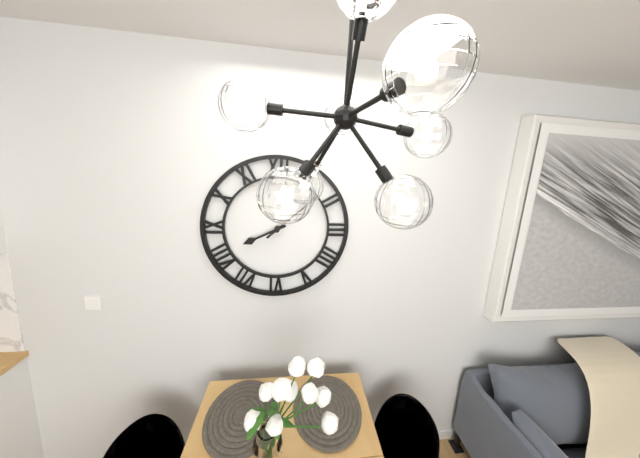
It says 8.08
